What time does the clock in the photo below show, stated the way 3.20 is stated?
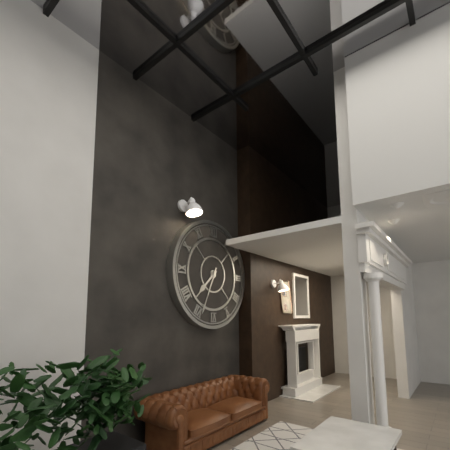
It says 7.34
